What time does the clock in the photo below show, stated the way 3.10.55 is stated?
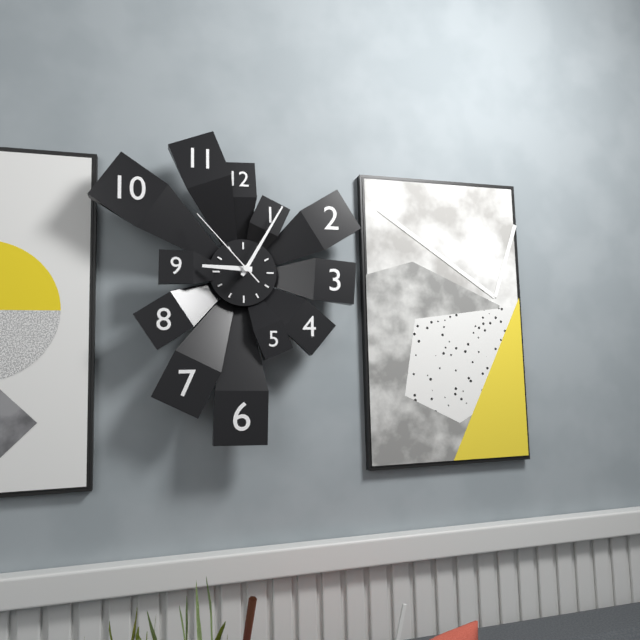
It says 9.05.53
